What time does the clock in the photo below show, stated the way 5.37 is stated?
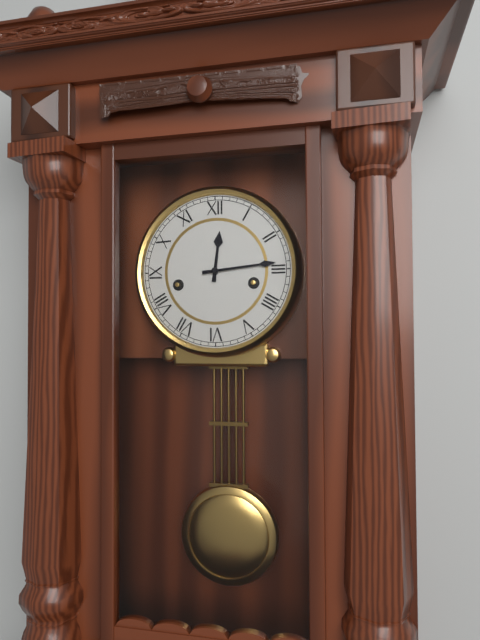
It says 12.14
